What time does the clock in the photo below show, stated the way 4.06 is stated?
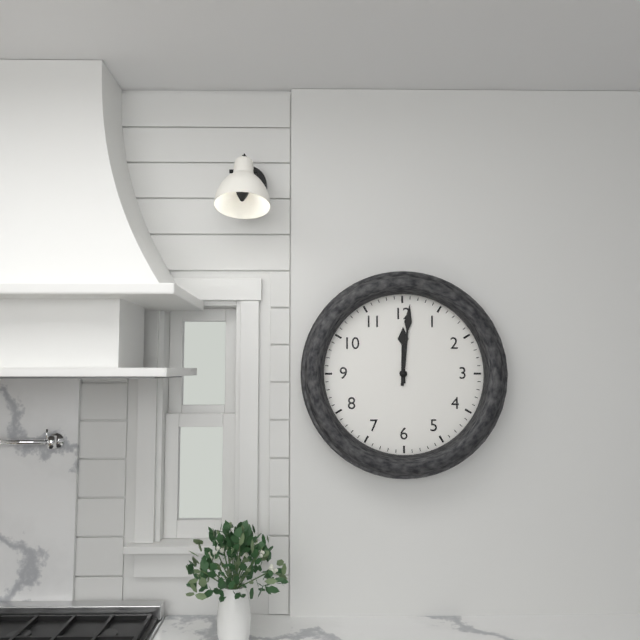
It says 12.01
